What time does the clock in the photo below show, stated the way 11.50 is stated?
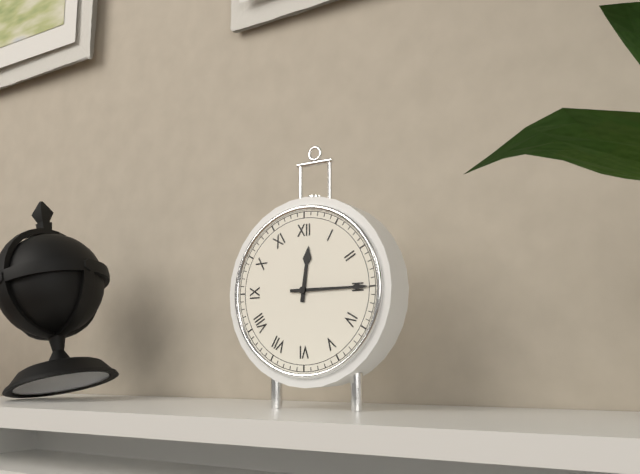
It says 12.15
